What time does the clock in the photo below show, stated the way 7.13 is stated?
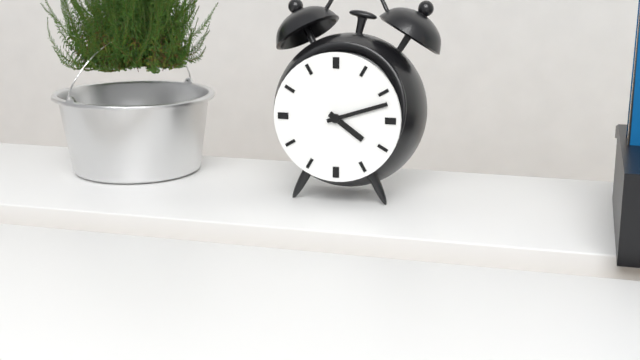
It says 4.12
